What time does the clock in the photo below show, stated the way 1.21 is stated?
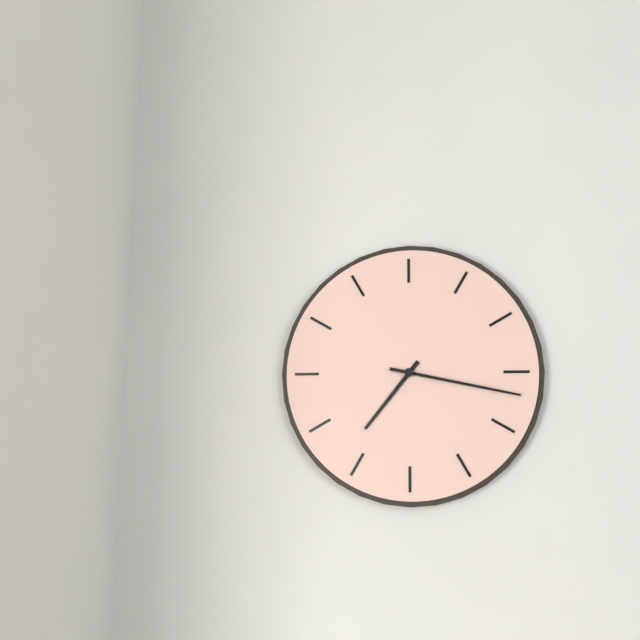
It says 7.17
